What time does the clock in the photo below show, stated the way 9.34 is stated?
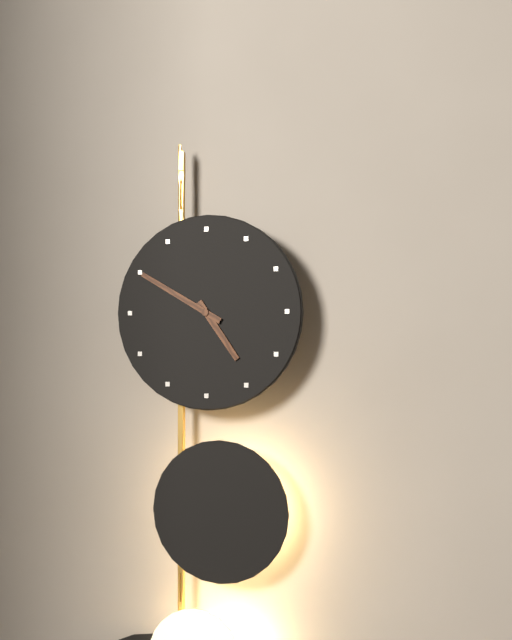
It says 4.50
